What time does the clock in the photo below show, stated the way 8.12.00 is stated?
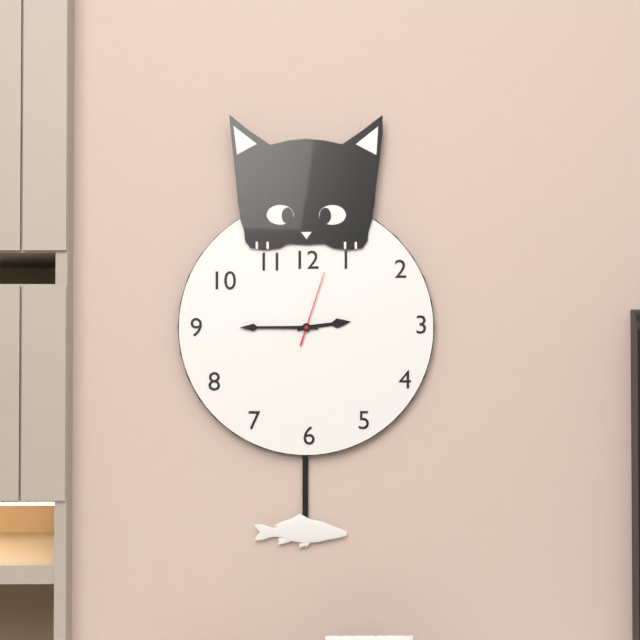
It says 2.45.03
